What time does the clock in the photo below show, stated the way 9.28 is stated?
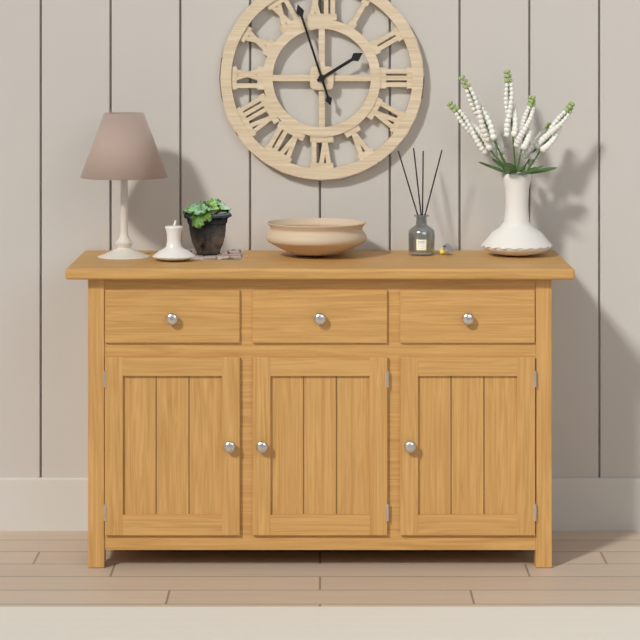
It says 1.57
